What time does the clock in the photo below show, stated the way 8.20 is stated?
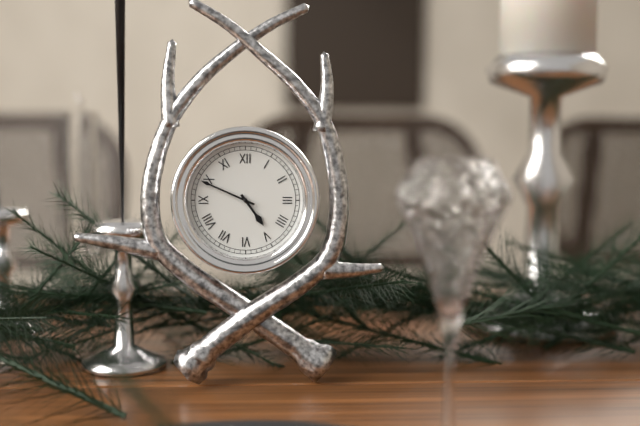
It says 4.49
